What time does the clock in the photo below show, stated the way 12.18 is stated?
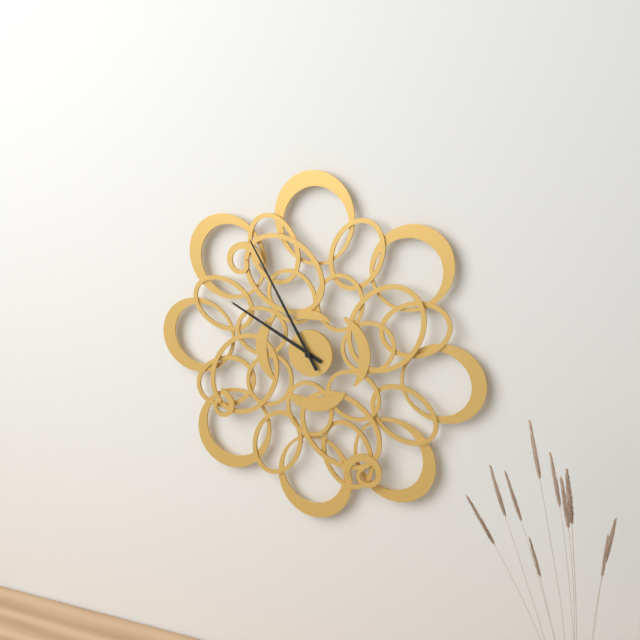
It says 9.55
